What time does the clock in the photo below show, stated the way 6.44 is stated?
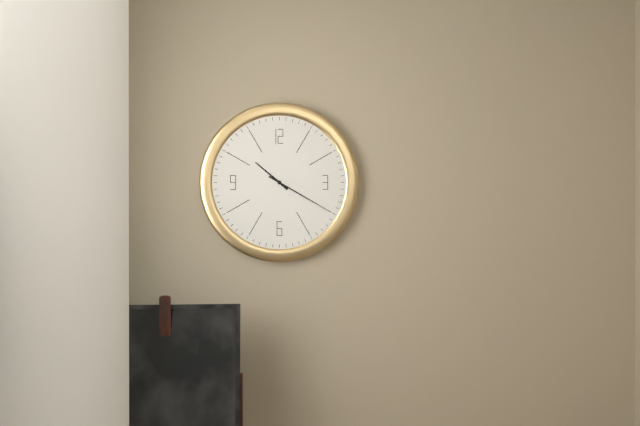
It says 10.20
